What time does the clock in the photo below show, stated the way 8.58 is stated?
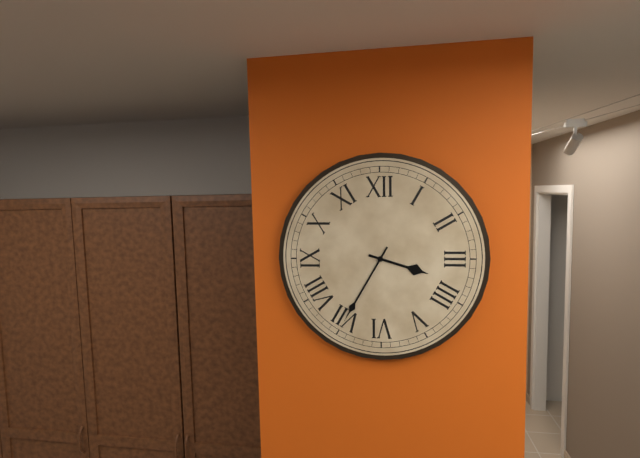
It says 3.35
